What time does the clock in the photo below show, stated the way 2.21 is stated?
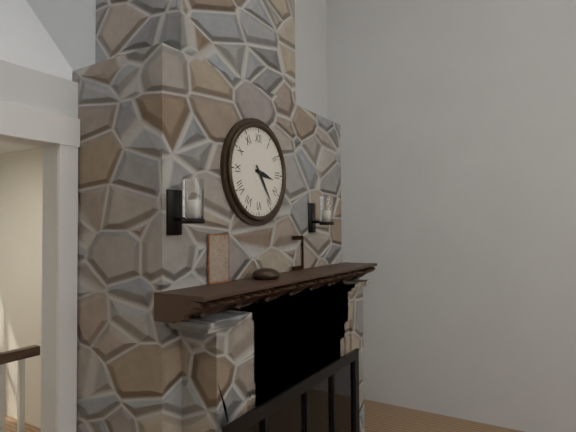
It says 3.24
